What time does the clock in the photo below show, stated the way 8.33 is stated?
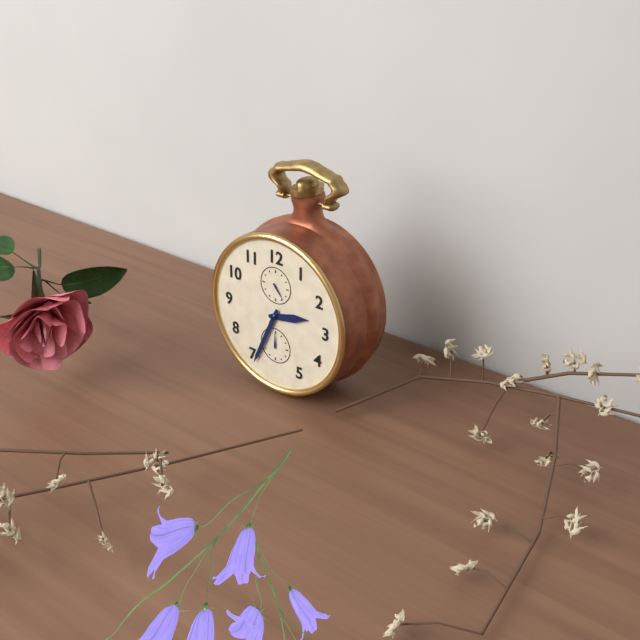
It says 2.34
